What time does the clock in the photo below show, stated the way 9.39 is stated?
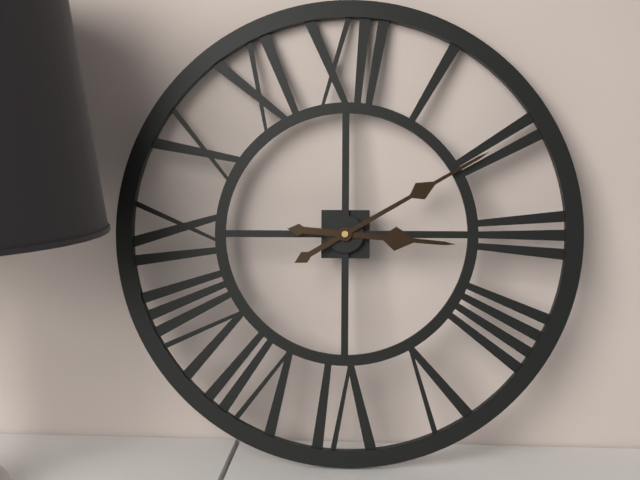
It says 3.10
